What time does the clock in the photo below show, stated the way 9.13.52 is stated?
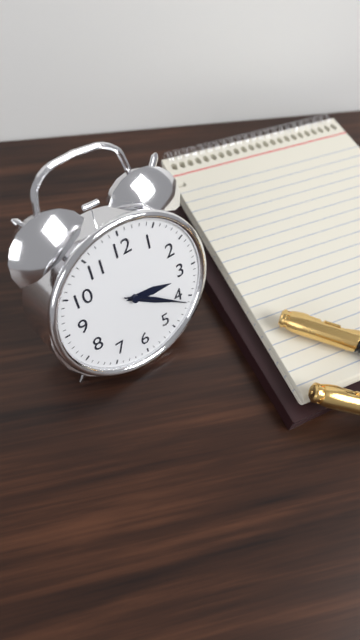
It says 3.21.21
